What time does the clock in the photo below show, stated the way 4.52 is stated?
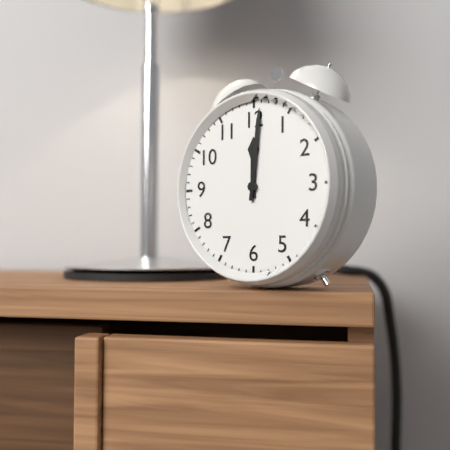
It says 12.01
